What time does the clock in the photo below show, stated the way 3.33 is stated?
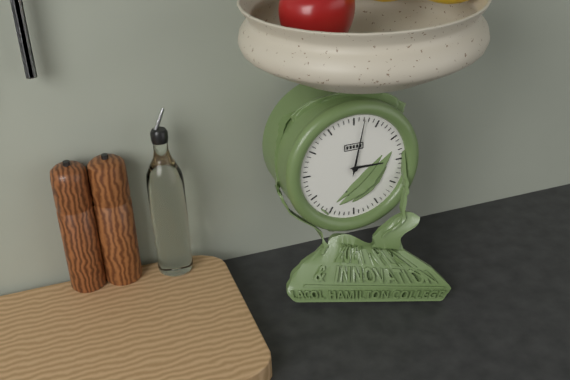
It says 3.02
